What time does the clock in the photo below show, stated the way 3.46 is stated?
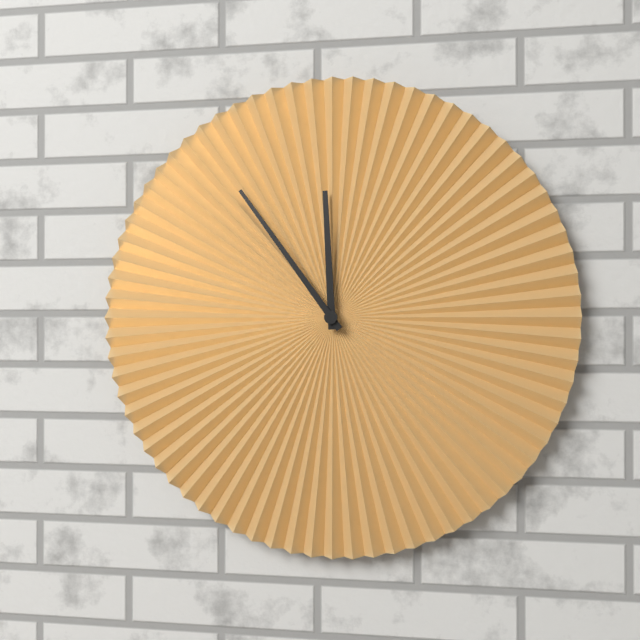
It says 11.54
